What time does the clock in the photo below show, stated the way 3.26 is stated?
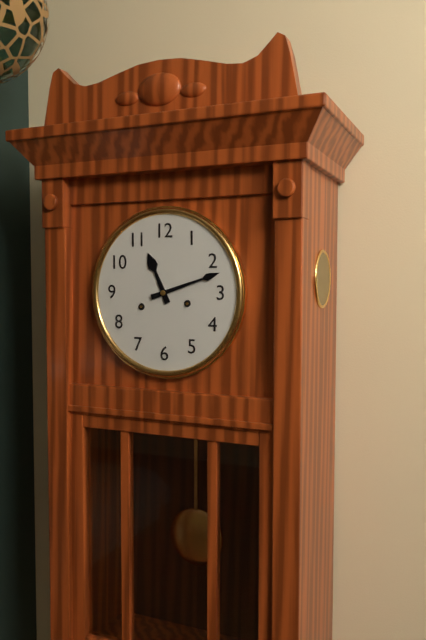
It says 11.12
